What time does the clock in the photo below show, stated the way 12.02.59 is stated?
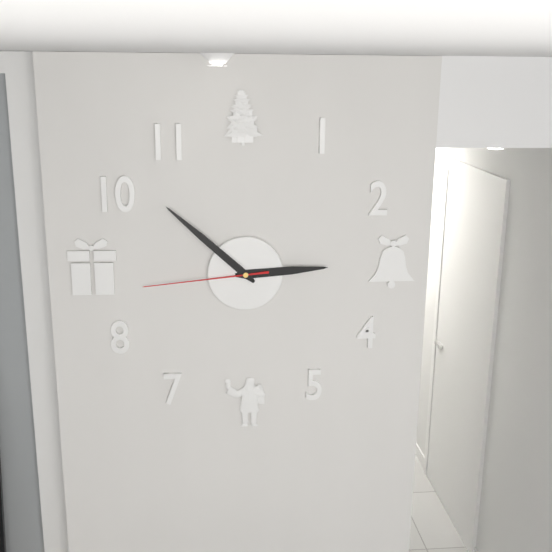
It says 2.52.44
